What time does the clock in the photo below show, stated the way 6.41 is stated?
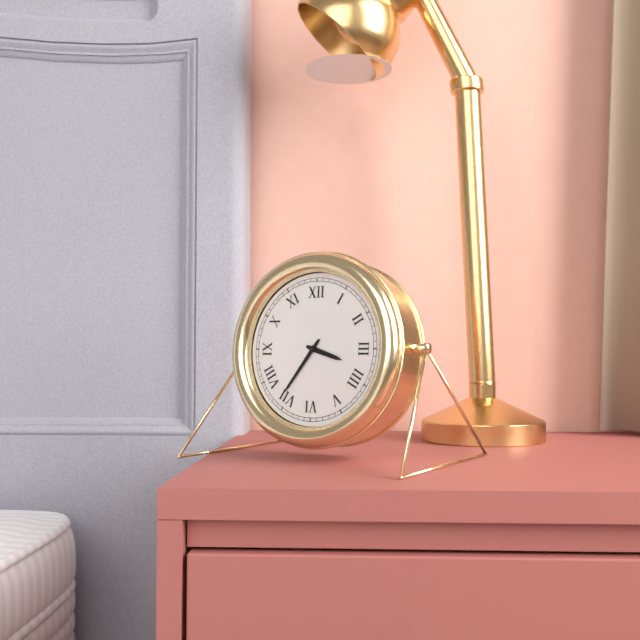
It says 3.36
